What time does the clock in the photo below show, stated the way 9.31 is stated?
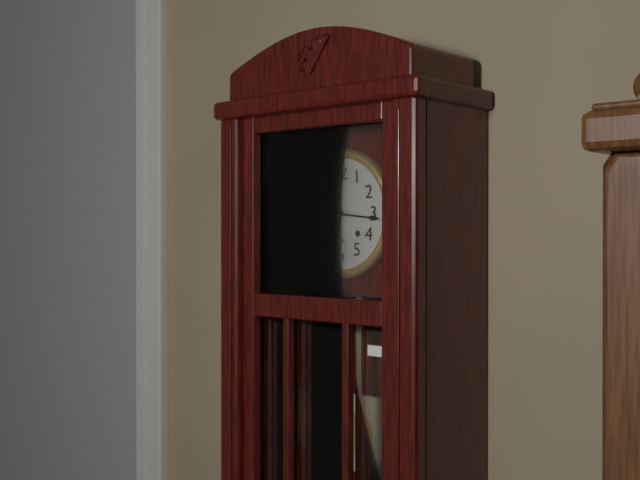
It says 7.16
